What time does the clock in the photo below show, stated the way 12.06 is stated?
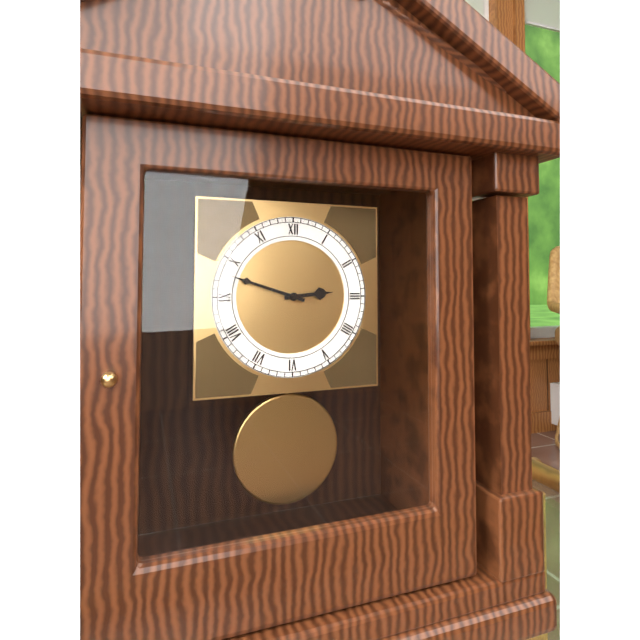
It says 2.48
